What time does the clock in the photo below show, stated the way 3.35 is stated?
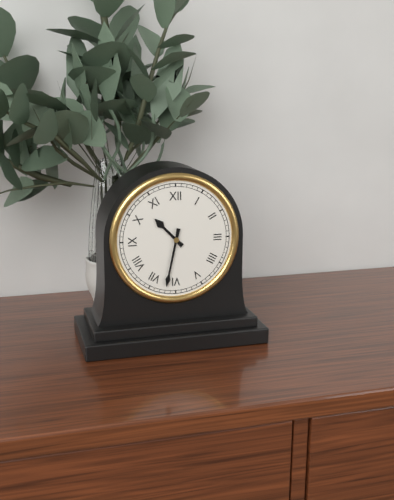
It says 10.32
